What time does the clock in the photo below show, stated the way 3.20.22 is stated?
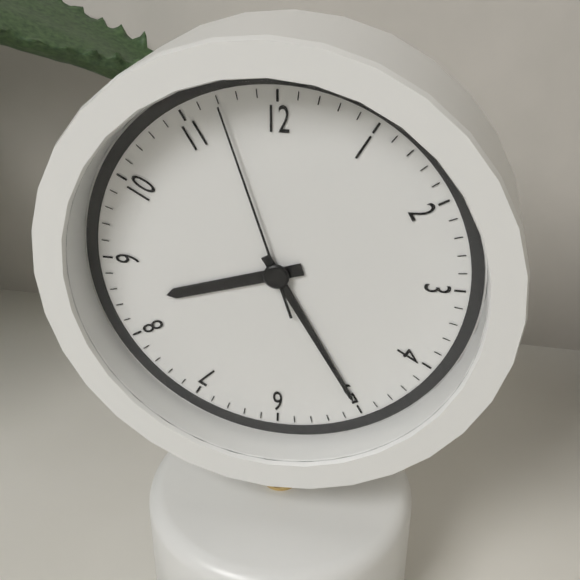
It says 8.25.57
